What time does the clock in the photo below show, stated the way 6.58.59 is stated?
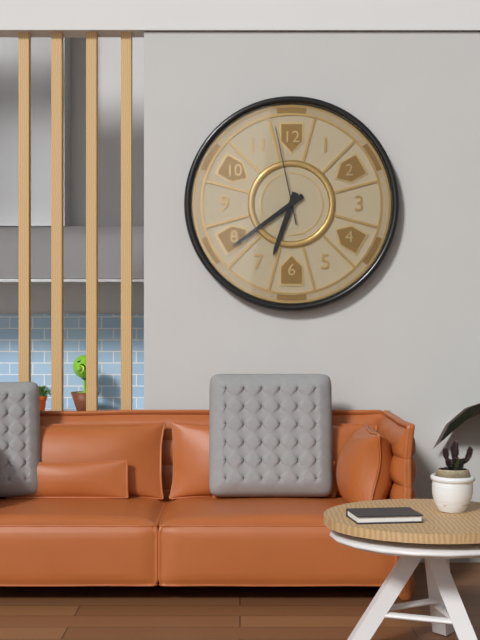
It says 6.39.58
